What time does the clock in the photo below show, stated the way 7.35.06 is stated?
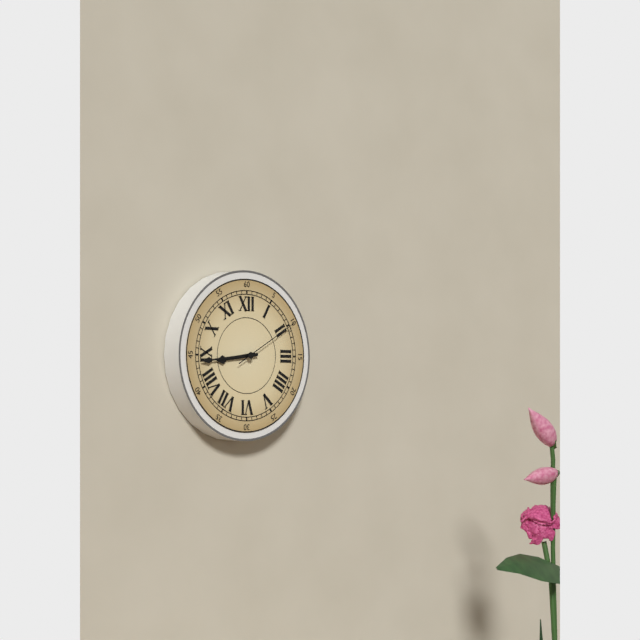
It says 8.44.10
